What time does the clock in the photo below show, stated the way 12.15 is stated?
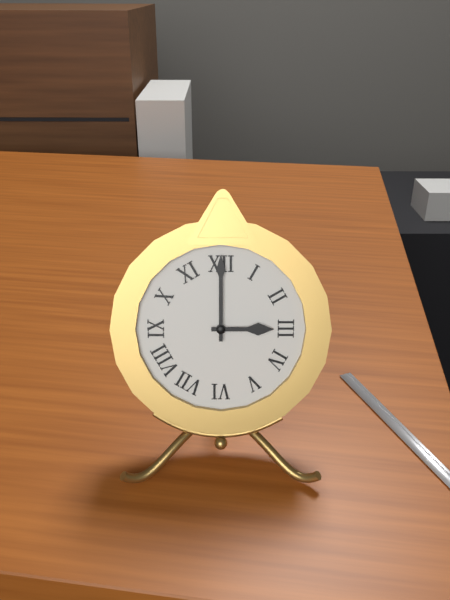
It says 3.00
